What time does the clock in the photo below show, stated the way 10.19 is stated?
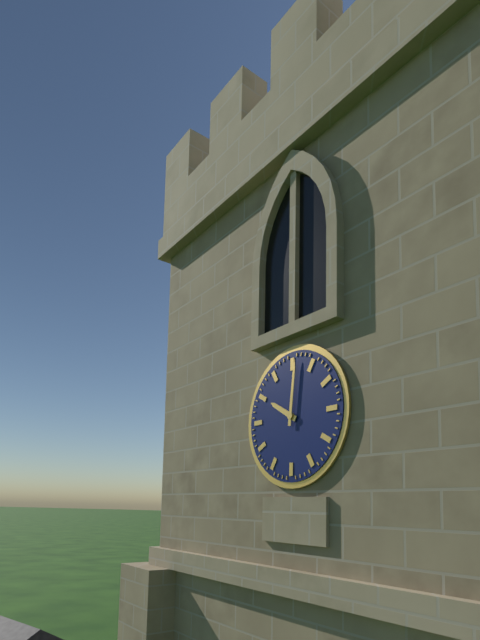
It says 10.01
